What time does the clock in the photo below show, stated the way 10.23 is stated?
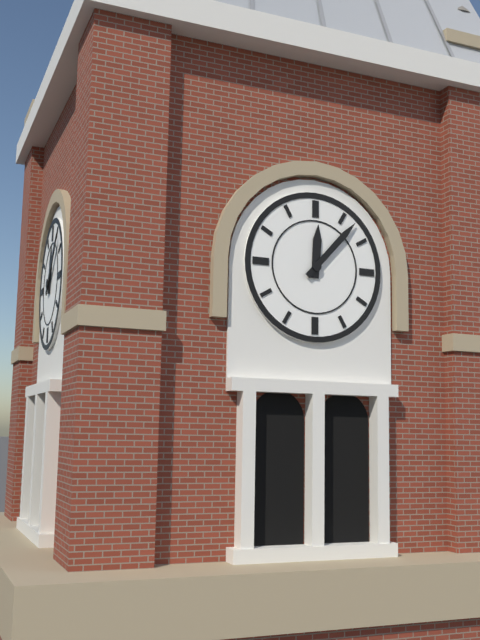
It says 12.07
